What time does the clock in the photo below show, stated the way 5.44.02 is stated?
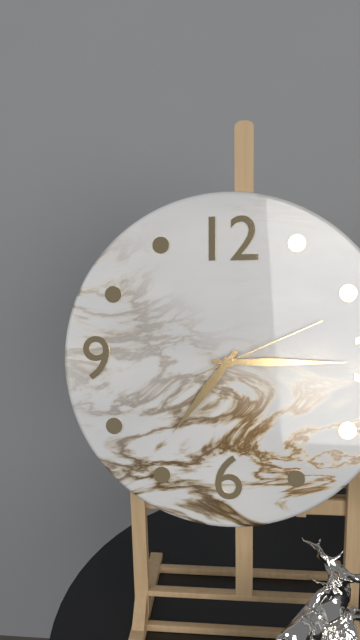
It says 7.15.11
